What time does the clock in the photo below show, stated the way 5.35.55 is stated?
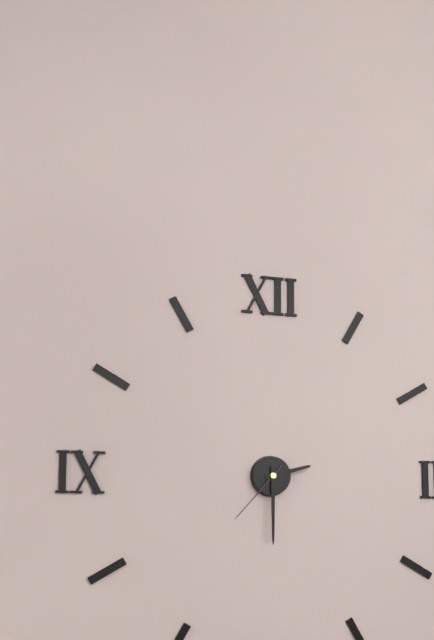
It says 2.30.37
